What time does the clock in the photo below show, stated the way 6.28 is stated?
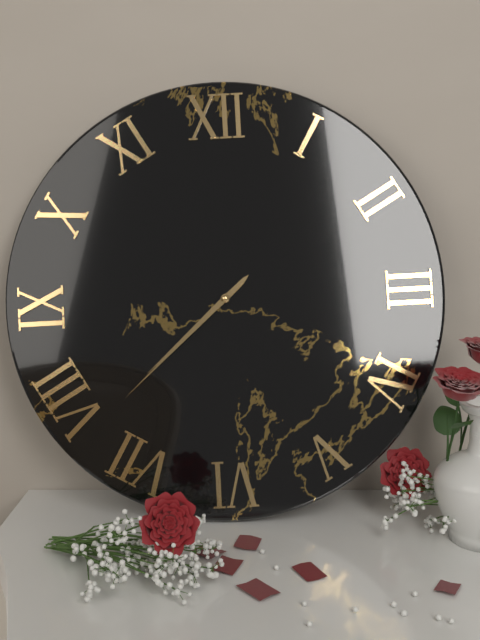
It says 7.38
